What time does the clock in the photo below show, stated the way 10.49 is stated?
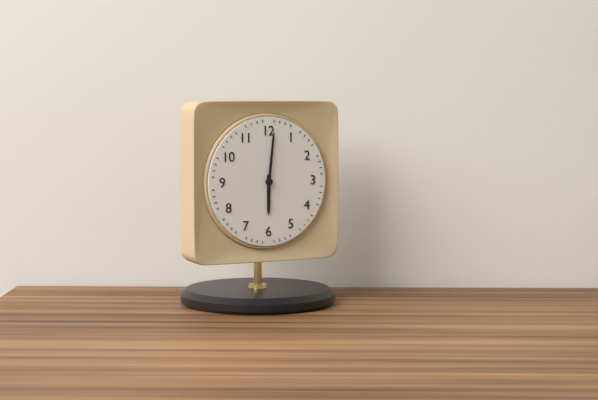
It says 6.01
